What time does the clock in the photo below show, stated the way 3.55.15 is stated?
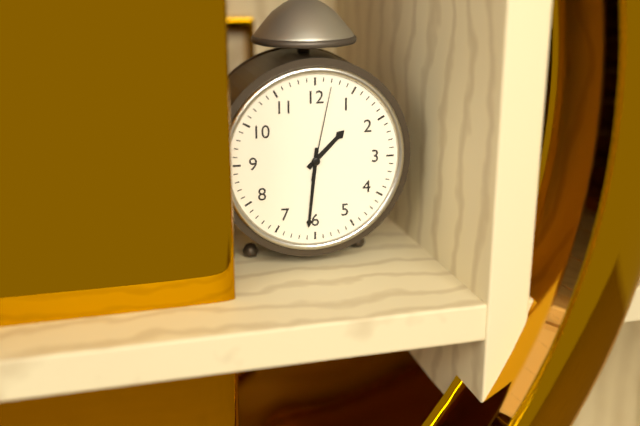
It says 1.31.02
